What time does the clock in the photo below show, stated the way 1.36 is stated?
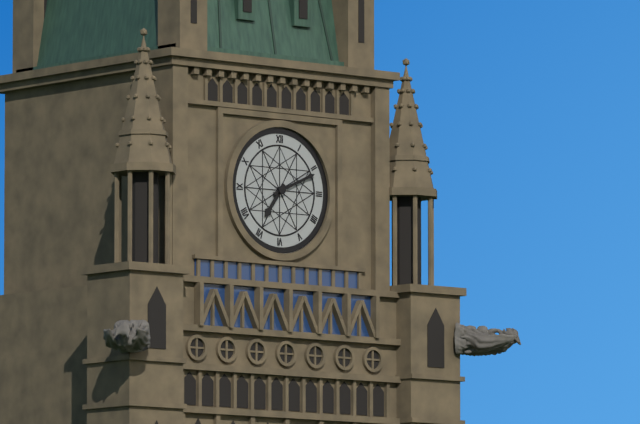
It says 7.11
